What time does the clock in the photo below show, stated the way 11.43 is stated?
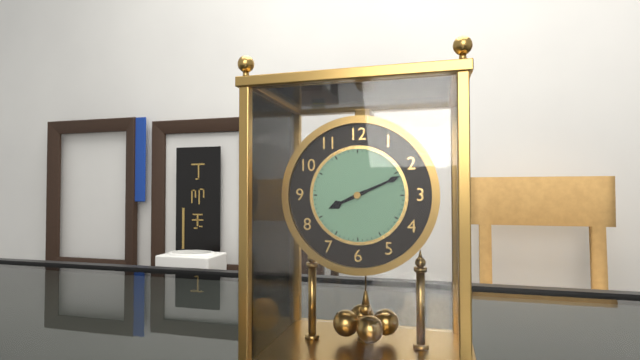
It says 8.11
